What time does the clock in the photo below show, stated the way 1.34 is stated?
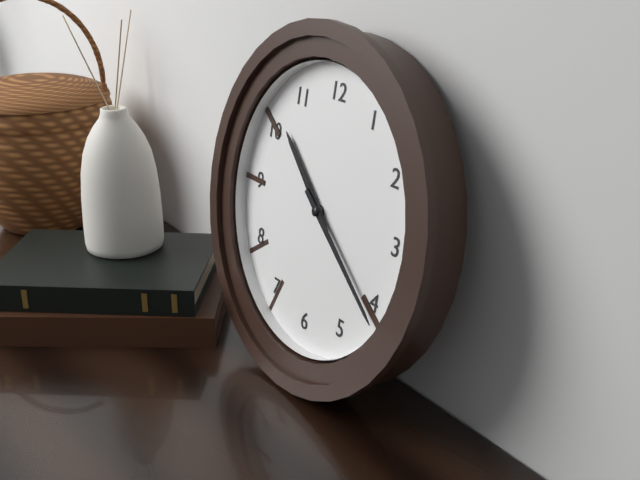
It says 10.21
